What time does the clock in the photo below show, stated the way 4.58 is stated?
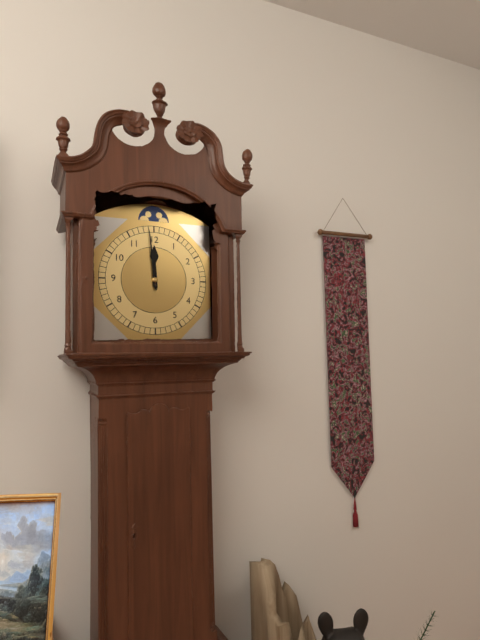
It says 11.59
